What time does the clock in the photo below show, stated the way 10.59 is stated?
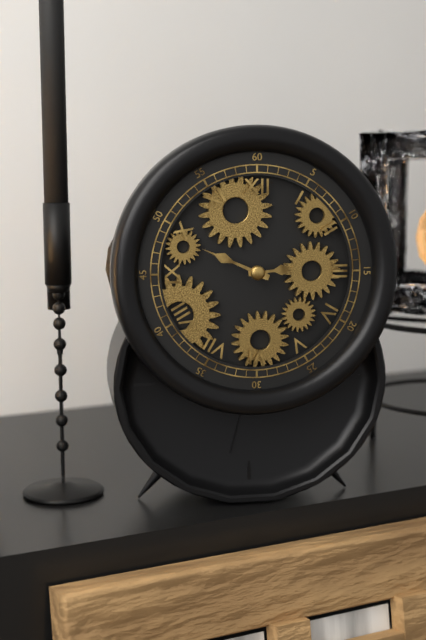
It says 2.49
